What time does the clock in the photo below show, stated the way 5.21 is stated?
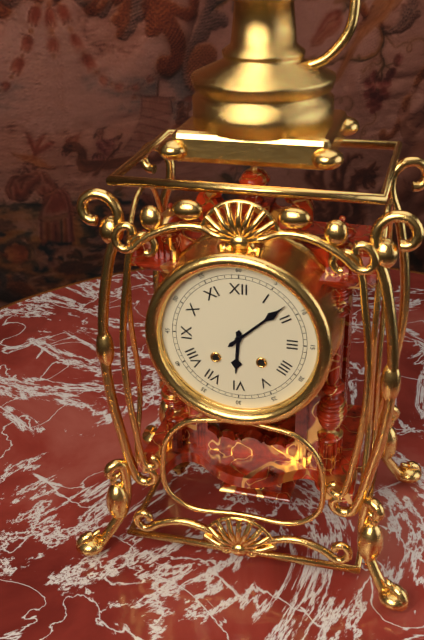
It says 6.08
